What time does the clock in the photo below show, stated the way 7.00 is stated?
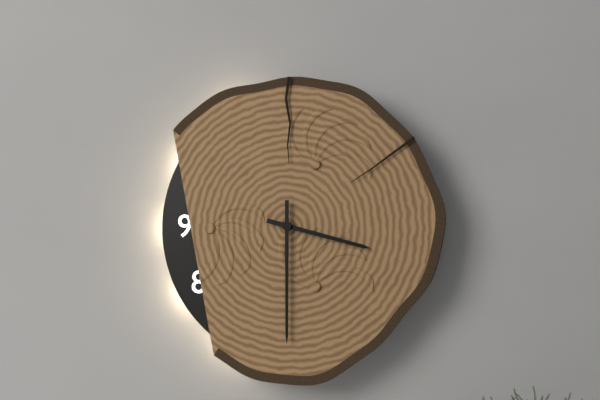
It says 3.30
